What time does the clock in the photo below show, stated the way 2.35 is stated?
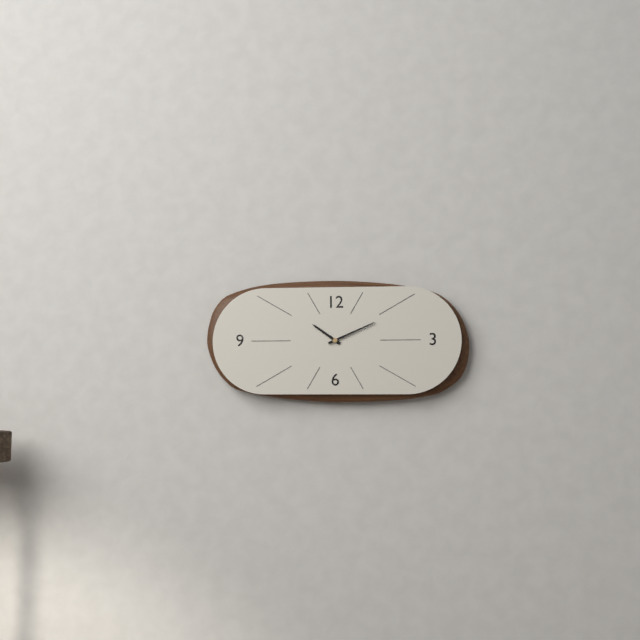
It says 10.11
